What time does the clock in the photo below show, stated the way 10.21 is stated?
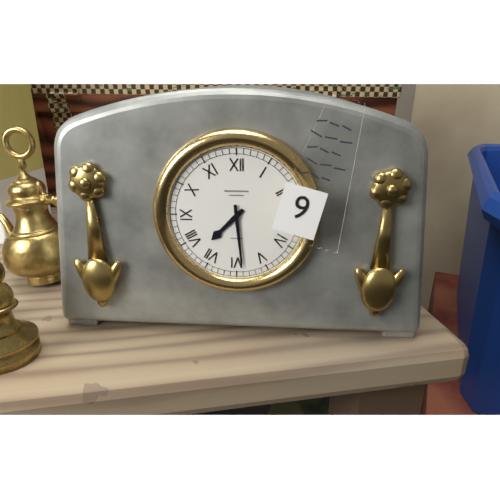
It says 7.29
